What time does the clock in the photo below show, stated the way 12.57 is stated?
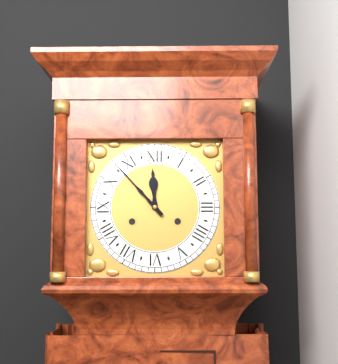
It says 11.53
